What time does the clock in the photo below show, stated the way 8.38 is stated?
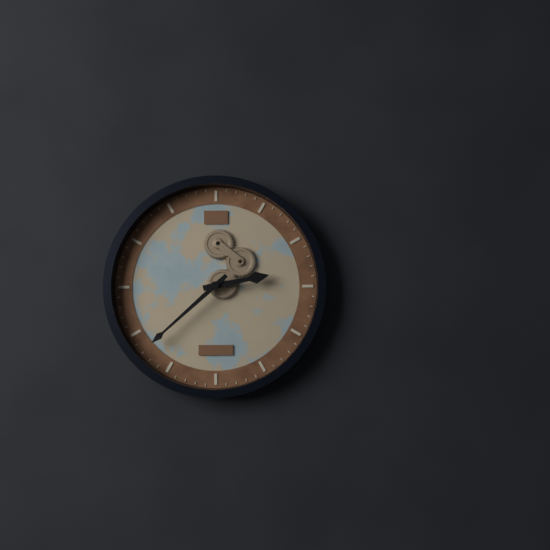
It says 2.38
